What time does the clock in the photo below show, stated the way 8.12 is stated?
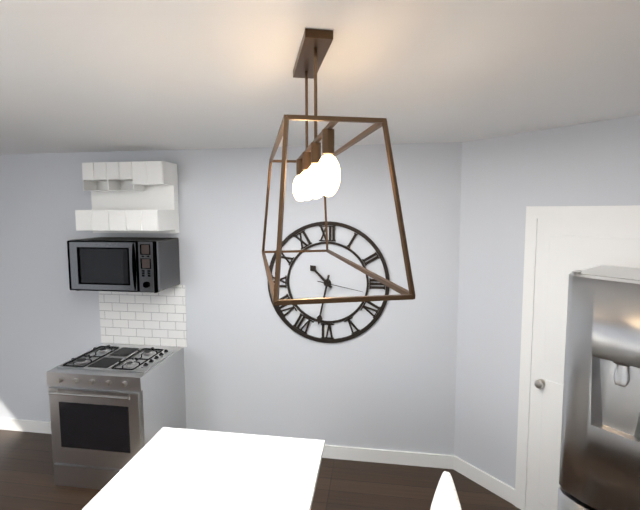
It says 10.32
